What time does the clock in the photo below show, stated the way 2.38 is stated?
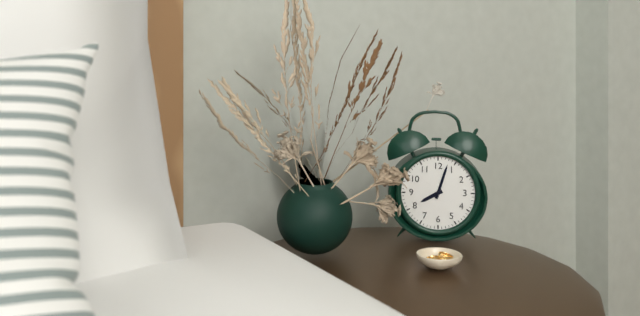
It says 8.03
